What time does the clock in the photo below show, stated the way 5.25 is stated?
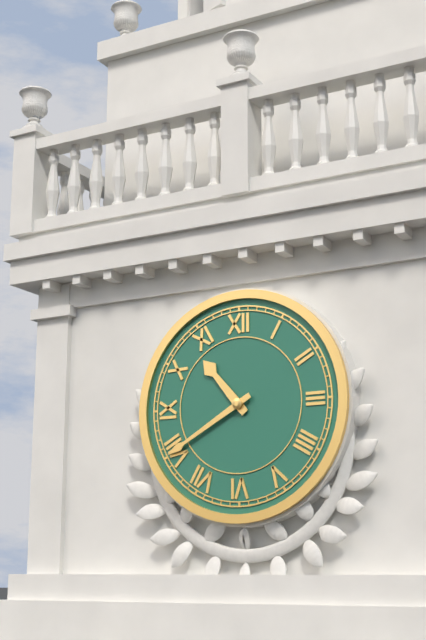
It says 10.40
